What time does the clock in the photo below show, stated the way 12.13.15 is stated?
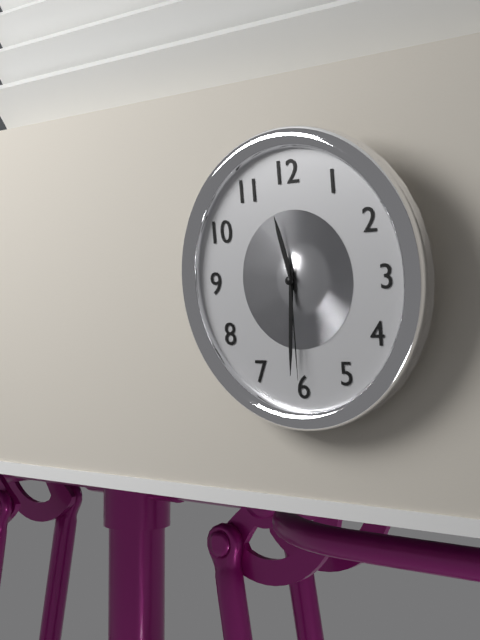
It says 11.31.30
